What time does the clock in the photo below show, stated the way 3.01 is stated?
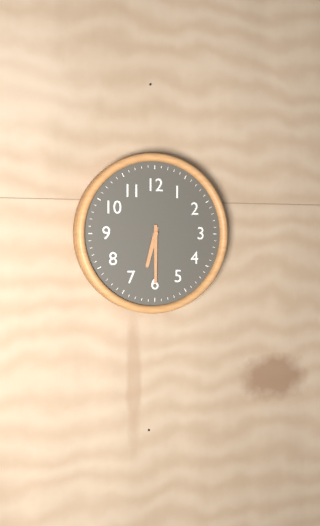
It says 6.30
